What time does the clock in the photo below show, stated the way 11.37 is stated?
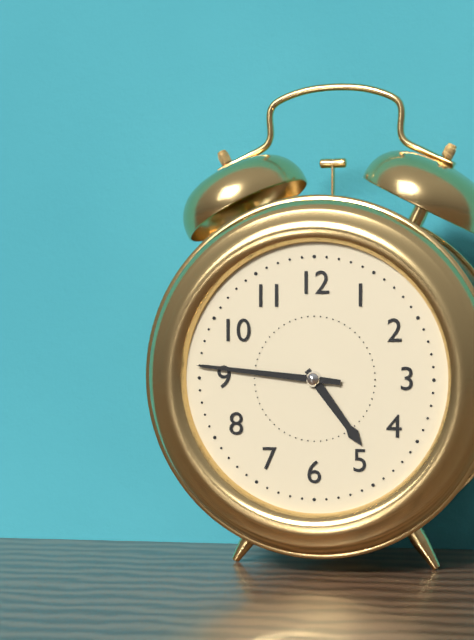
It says 4.46
